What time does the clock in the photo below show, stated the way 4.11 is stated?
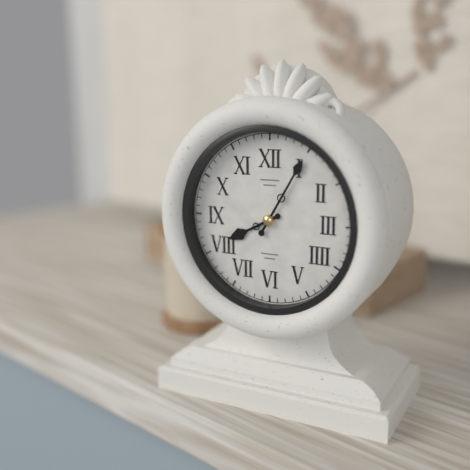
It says 8.05
